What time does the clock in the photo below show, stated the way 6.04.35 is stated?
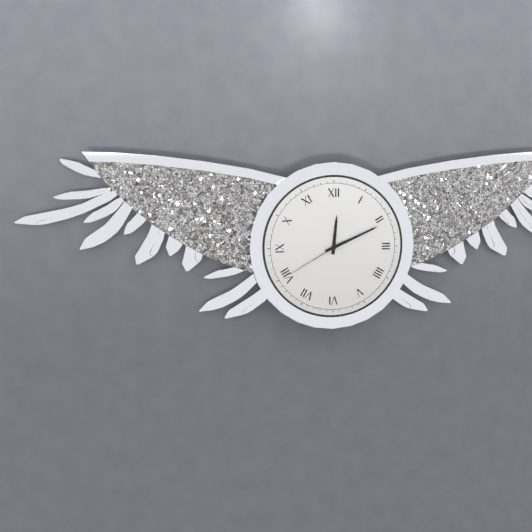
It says 12.11.40
